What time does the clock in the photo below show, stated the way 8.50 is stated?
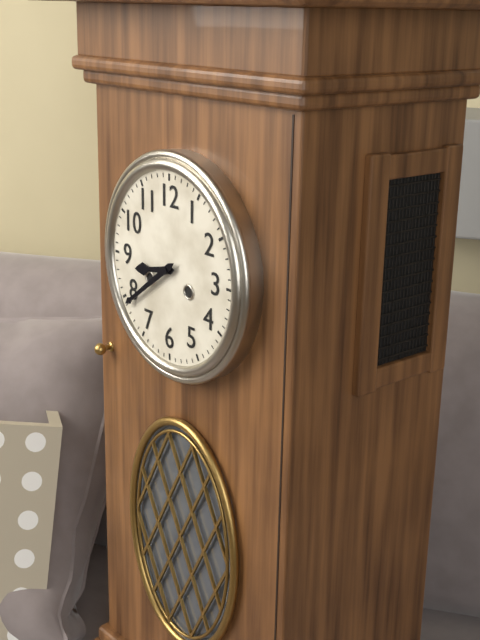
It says 8.39
